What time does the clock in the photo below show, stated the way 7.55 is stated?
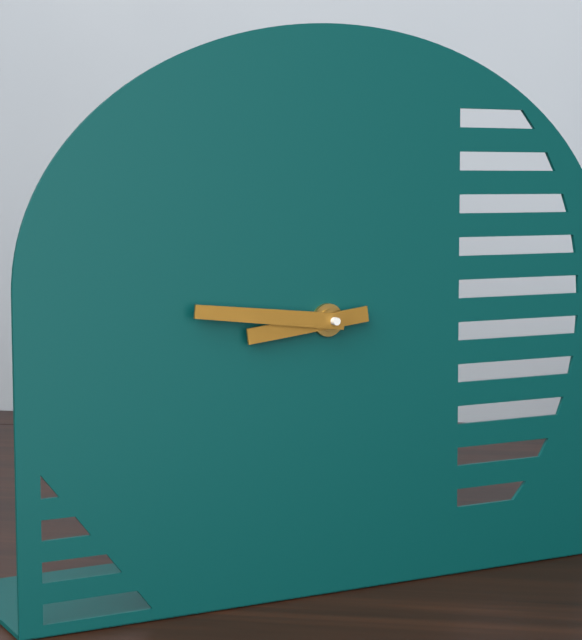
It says 8.46
